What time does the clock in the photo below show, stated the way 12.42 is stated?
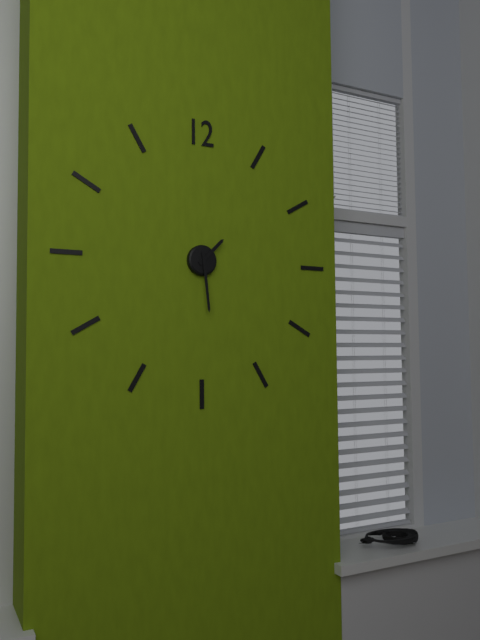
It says 1.29
